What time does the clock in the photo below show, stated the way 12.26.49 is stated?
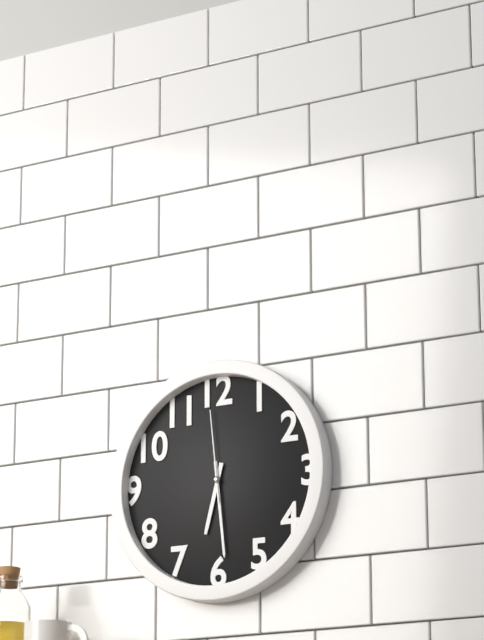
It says 6.29.59
